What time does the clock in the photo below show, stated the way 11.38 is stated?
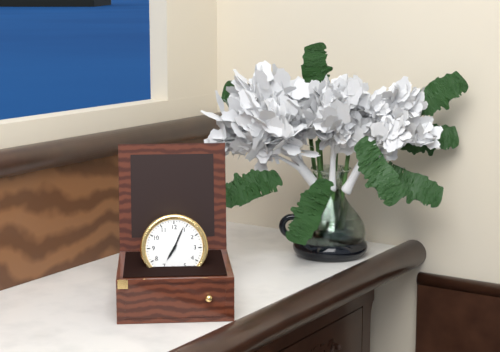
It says 7.04
